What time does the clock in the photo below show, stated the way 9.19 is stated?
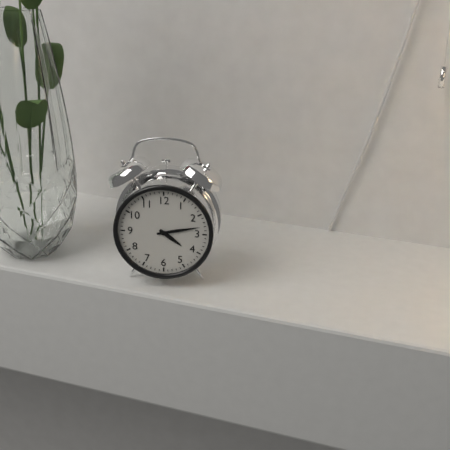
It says 4.13
